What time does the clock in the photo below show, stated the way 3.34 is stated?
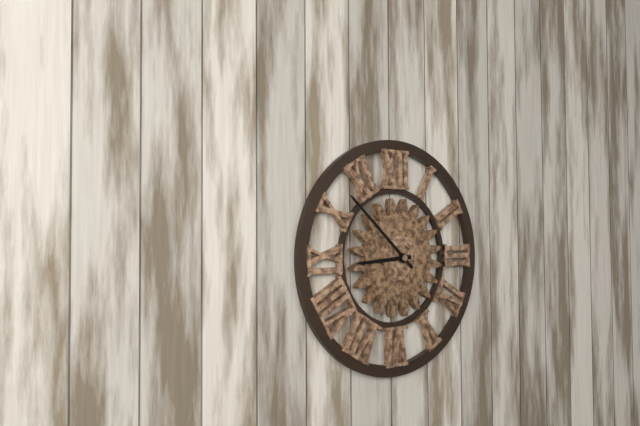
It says 8.52
